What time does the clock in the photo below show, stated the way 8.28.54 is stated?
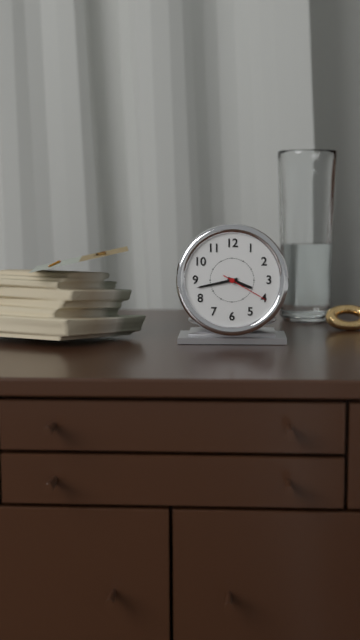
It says 3.43.20
